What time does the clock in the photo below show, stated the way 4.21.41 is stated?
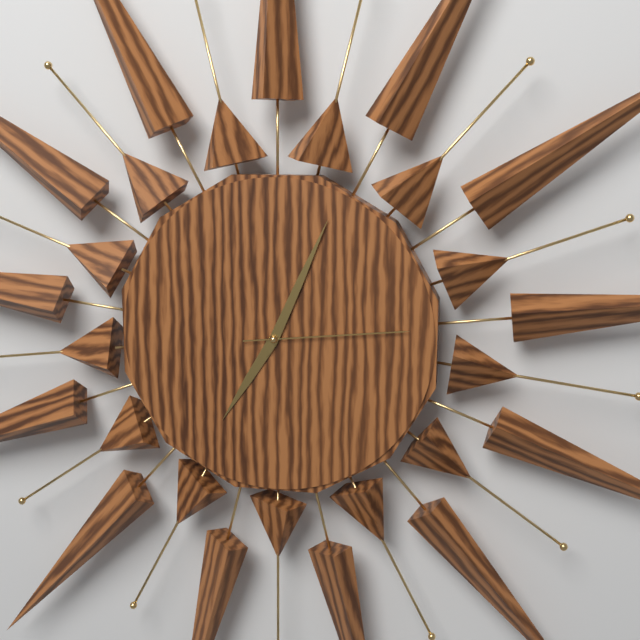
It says 7.04.14
